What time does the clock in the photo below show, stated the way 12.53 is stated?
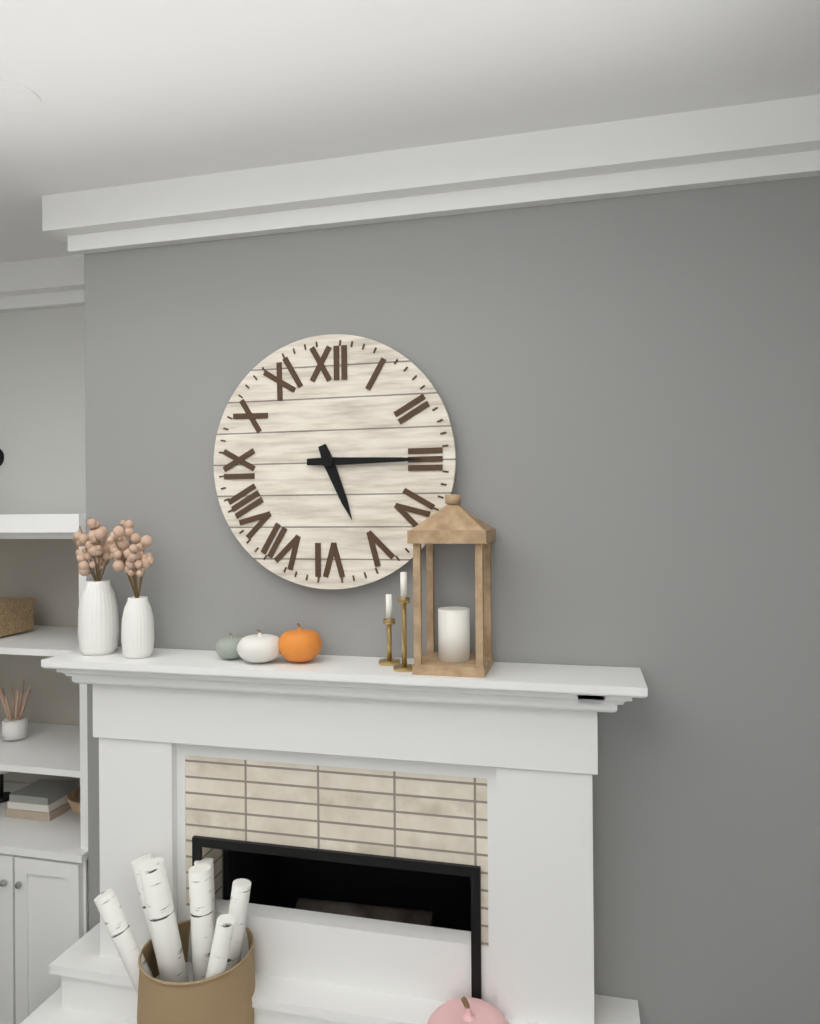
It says 5.15
